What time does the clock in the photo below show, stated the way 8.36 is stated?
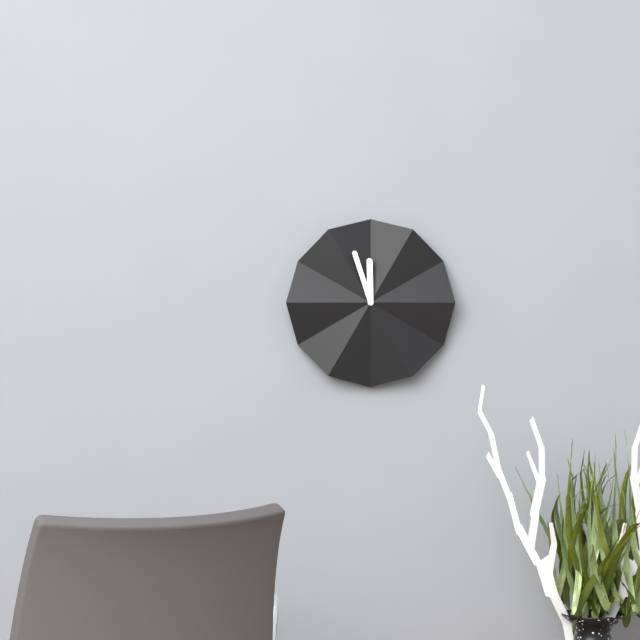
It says 11.57
